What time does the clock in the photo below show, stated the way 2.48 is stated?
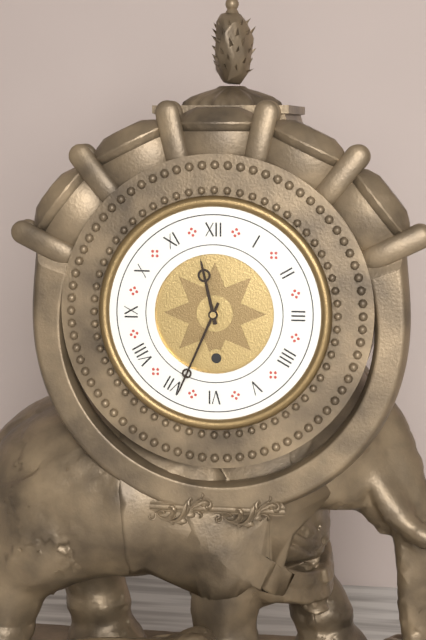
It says 11.34
